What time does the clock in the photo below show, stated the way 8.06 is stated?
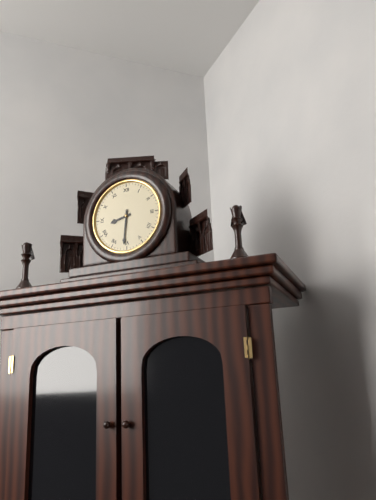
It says 8.31
